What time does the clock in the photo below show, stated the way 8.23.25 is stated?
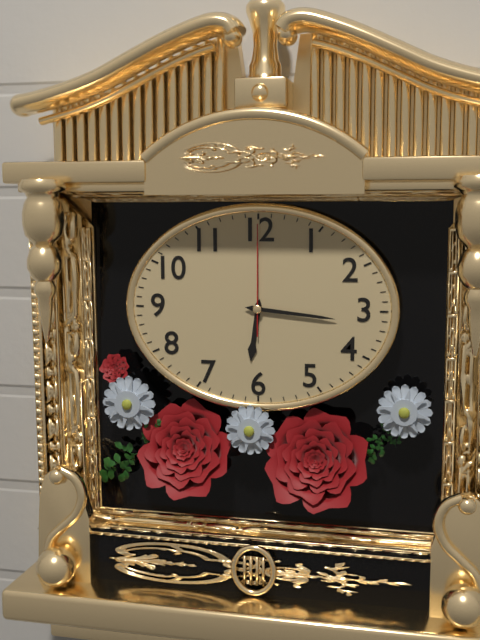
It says 6.16.00
